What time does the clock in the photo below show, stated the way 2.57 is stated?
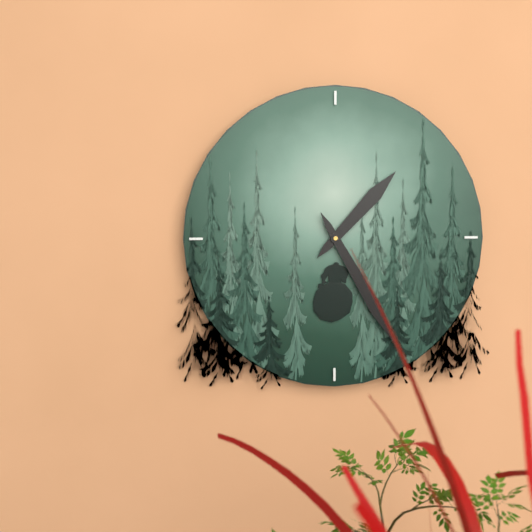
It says 1.25
